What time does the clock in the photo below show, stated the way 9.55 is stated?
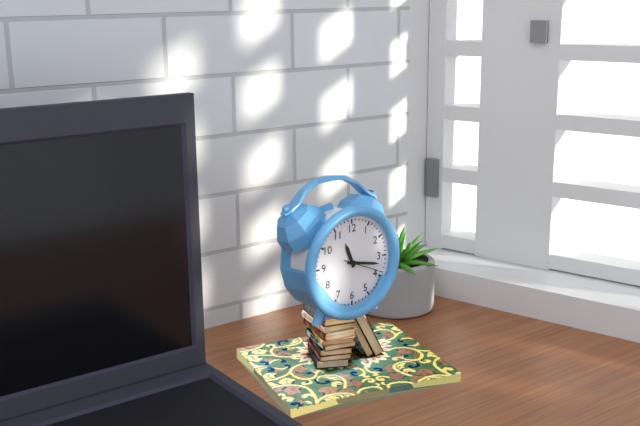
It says 11.17
